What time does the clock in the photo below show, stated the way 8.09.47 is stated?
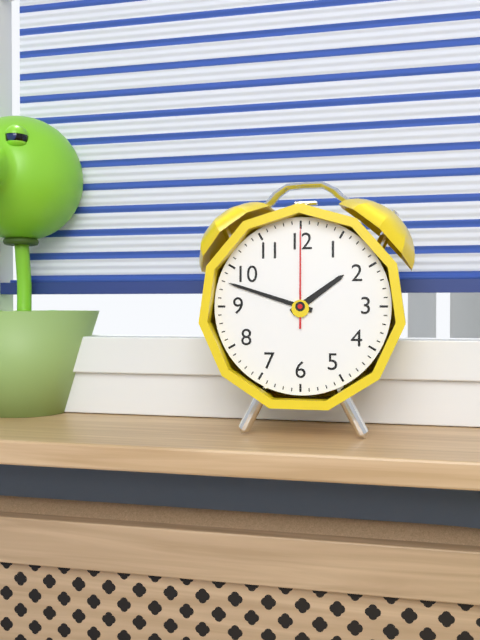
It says 1.48.00
